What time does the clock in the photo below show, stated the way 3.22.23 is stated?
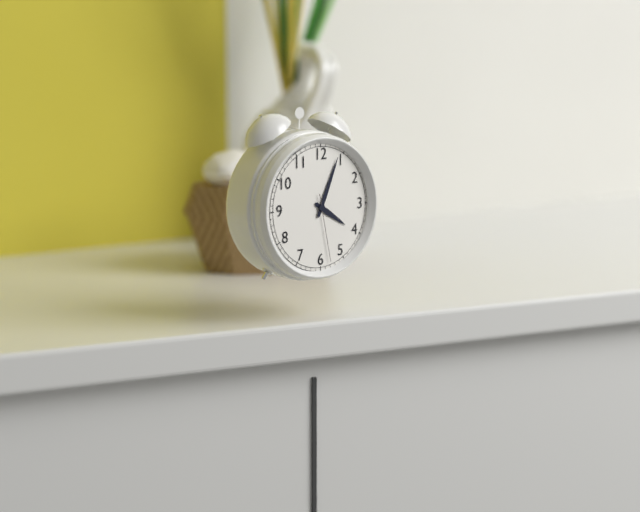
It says 4.04.28
